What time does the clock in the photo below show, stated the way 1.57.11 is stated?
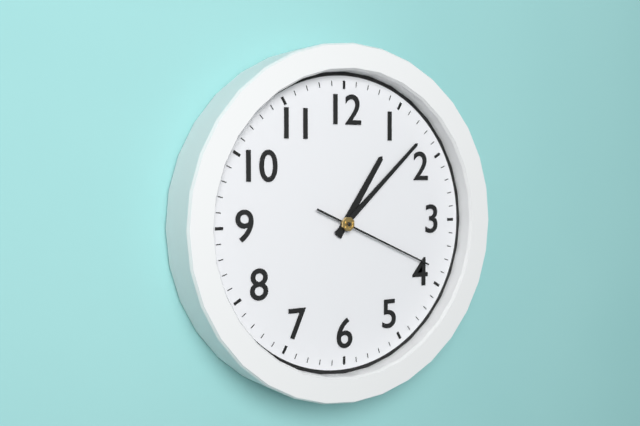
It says 1.08.19
